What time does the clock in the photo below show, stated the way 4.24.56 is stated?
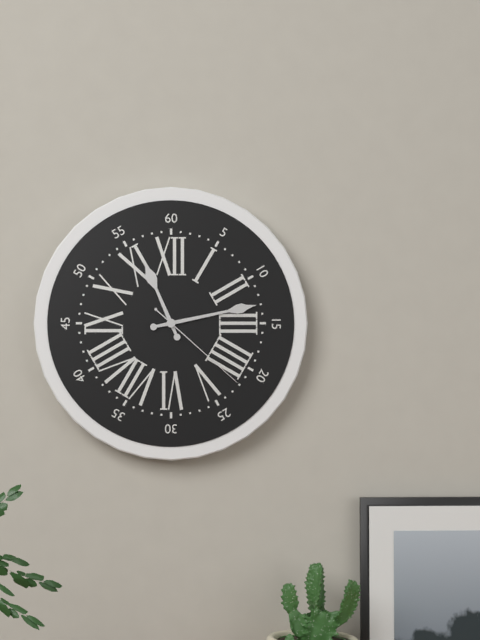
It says 11.13.22
